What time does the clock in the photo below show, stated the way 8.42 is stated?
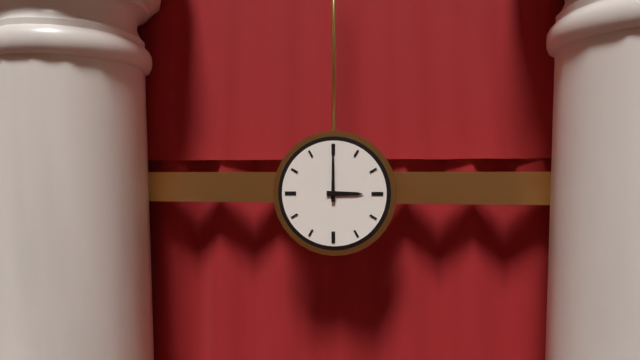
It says 3.00
